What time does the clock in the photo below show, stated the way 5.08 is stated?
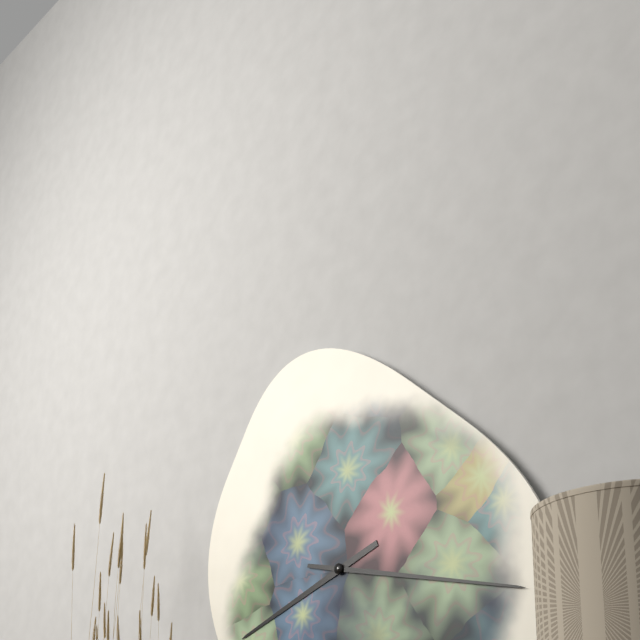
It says 8.17
